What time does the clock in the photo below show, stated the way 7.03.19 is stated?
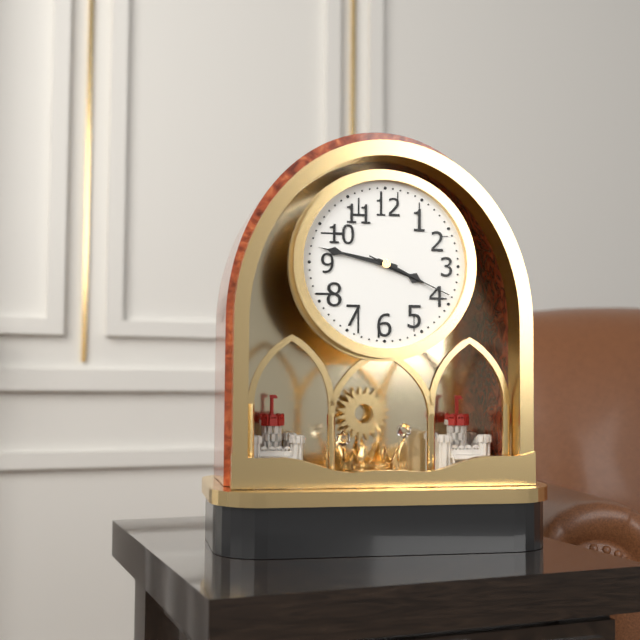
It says 3.47.19
